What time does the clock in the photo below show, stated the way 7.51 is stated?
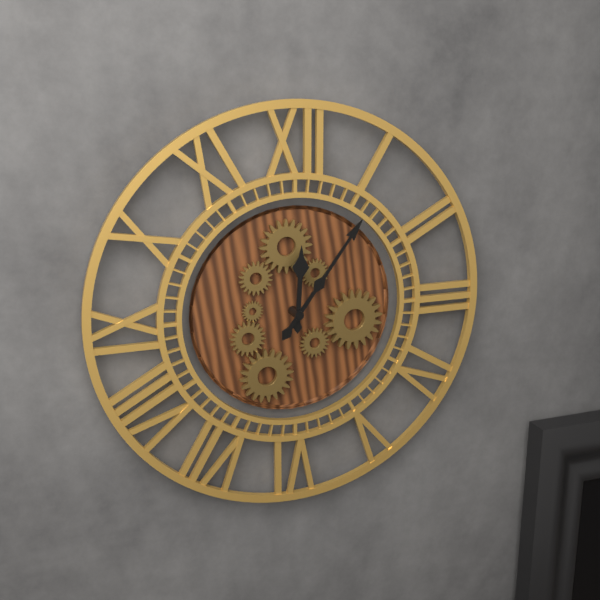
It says 12.06
